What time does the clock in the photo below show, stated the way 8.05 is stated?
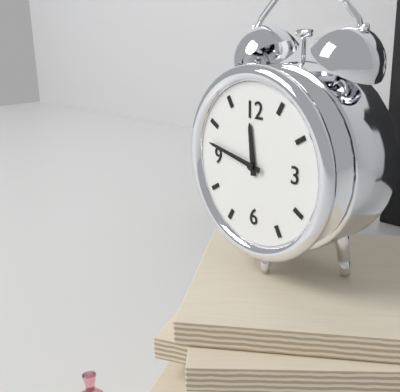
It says 11.47
